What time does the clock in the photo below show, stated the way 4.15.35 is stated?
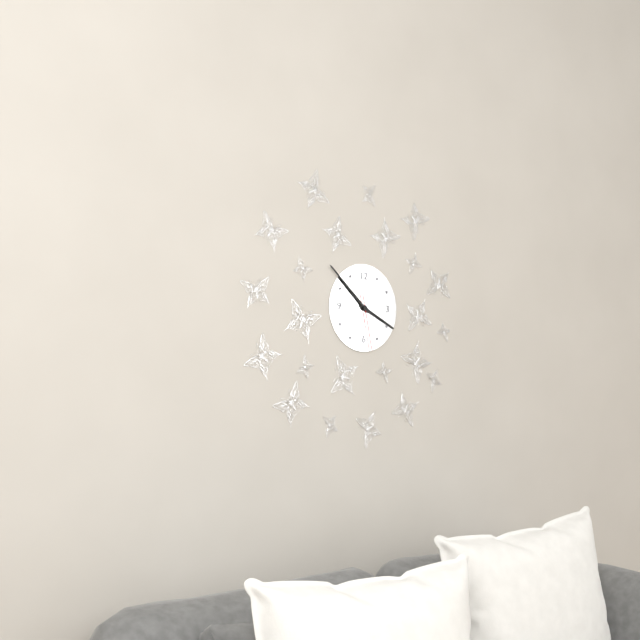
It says 3.52.28
